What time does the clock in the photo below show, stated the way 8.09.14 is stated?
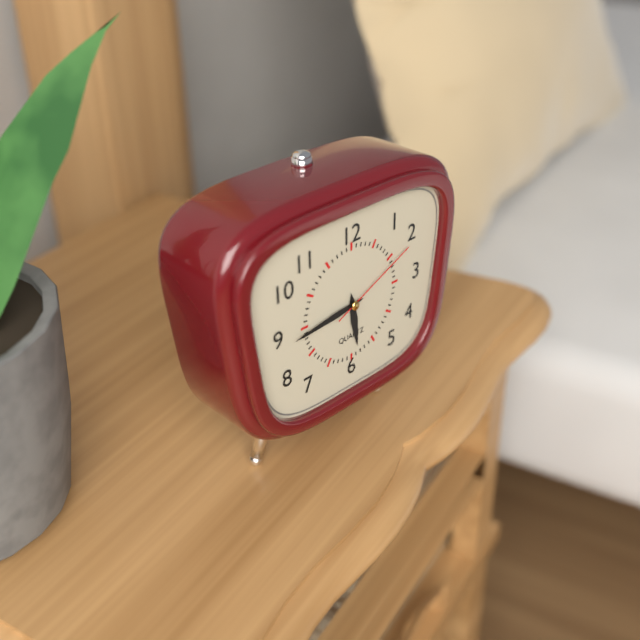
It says 5.44.11
